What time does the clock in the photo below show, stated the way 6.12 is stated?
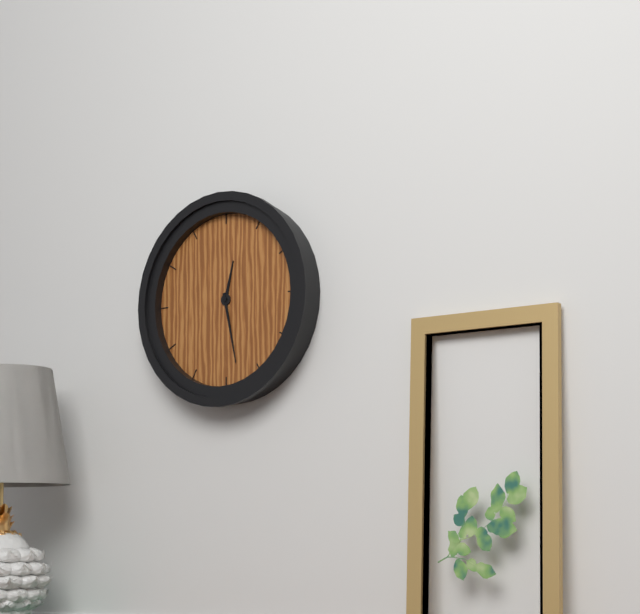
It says 12.28
